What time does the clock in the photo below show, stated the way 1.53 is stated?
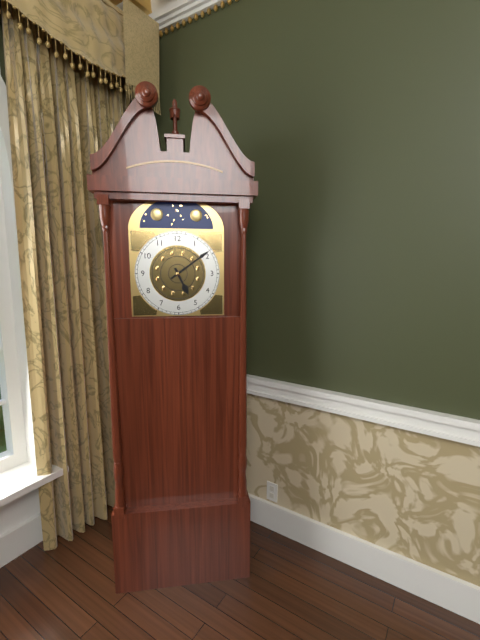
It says 5.09
